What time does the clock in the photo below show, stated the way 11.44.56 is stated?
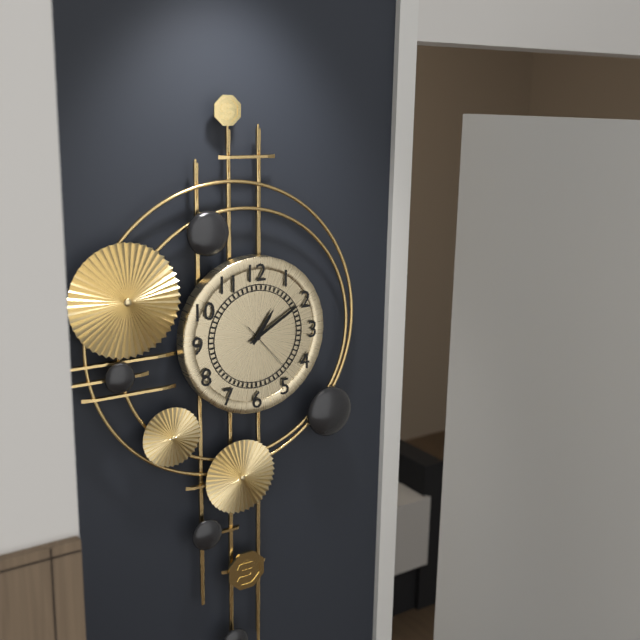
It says 1.10.23
